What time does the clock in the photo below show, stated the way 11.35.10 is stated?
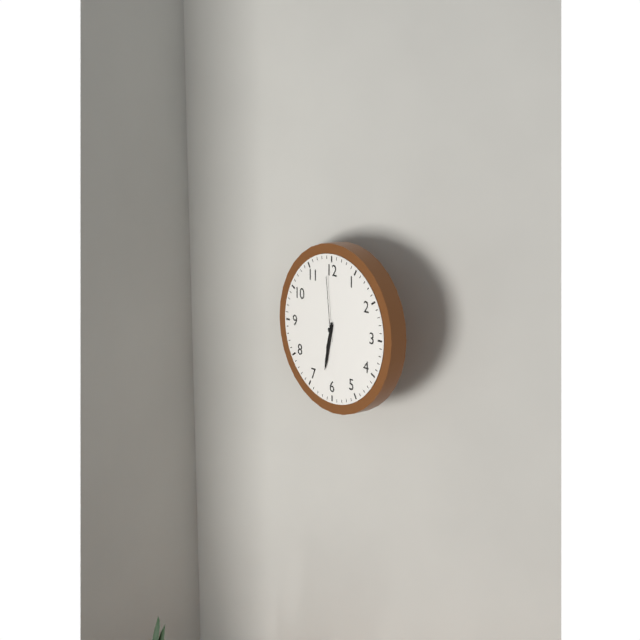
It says 6.32.59
